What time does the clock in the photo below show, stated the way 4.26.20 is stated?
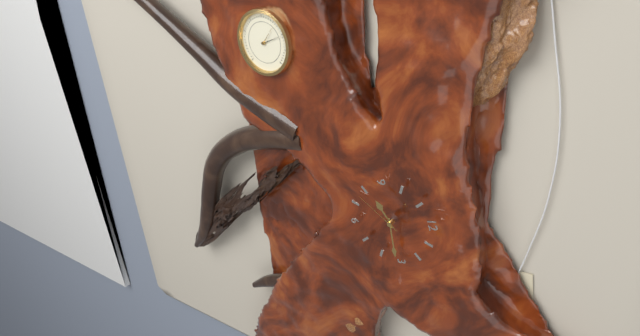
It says 8.16.38
